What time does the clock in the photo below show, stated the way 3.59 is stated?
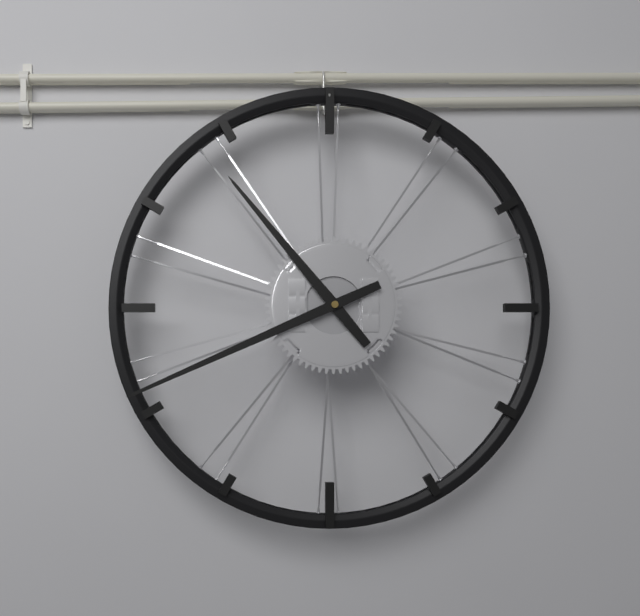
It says 10.41
